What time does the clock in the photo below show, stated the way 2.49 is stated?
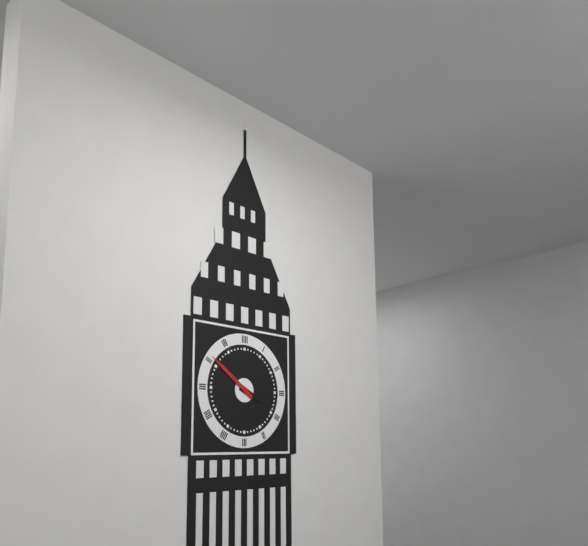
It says 3.51
